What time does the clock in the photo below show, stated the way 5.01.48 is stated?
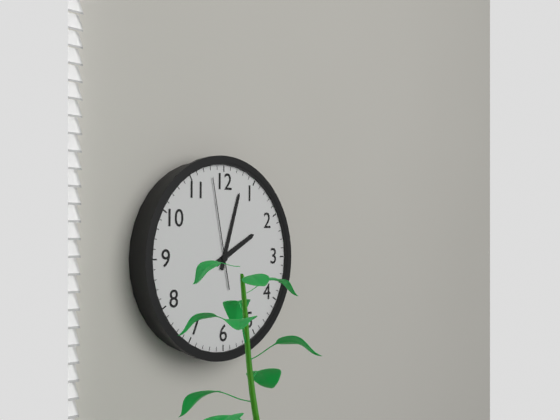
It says 2.03.58
